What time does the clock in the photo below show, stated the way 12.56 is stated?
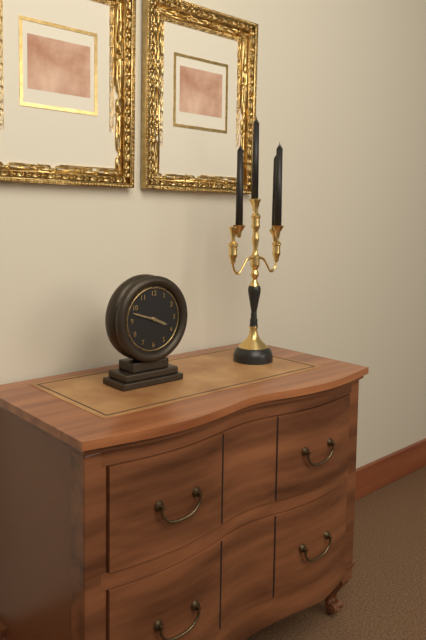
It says 3.48
